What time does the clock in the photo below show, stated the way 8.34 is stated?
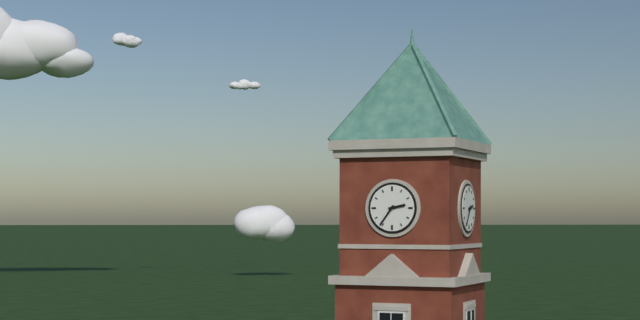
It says 2.36
